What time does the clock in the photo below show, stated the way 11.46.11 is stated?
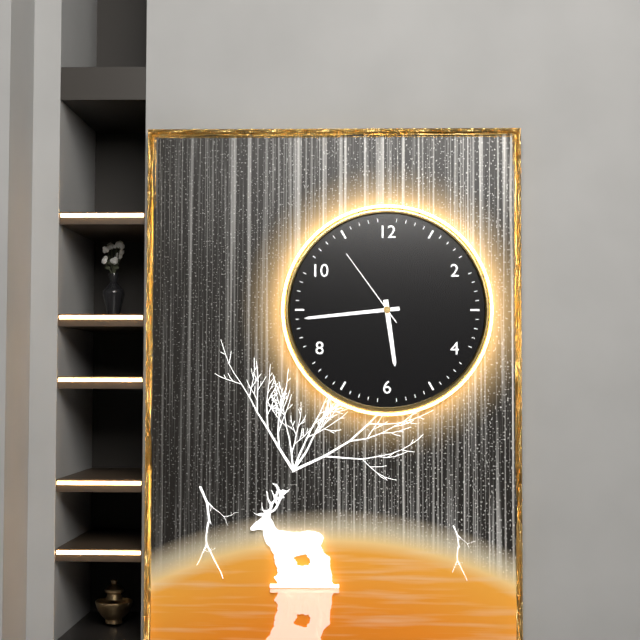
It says 5.44.54
